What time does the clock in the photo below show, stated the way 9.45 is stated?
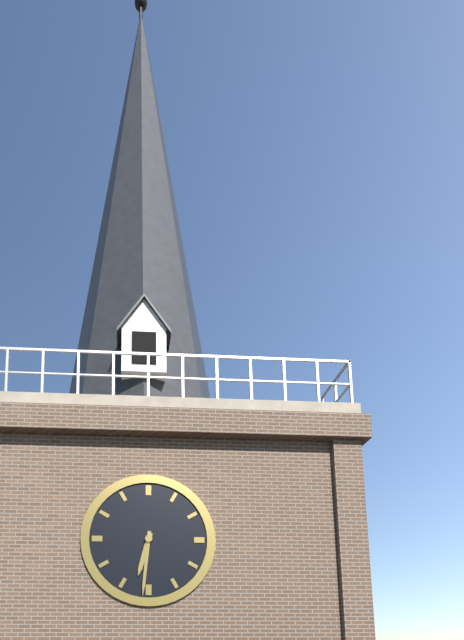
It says 6.31
